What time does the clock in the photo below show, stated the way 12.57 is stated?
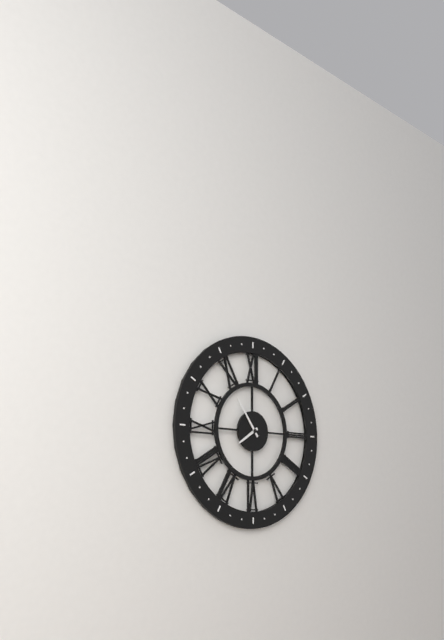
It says 7.54
